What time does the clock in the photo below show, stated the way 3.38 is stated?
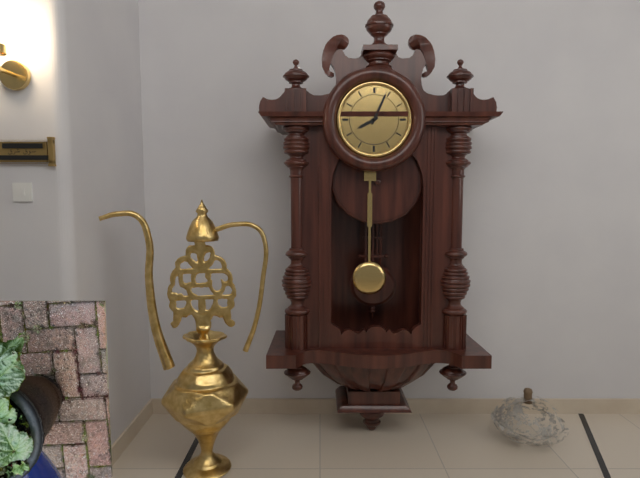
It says 8.04
